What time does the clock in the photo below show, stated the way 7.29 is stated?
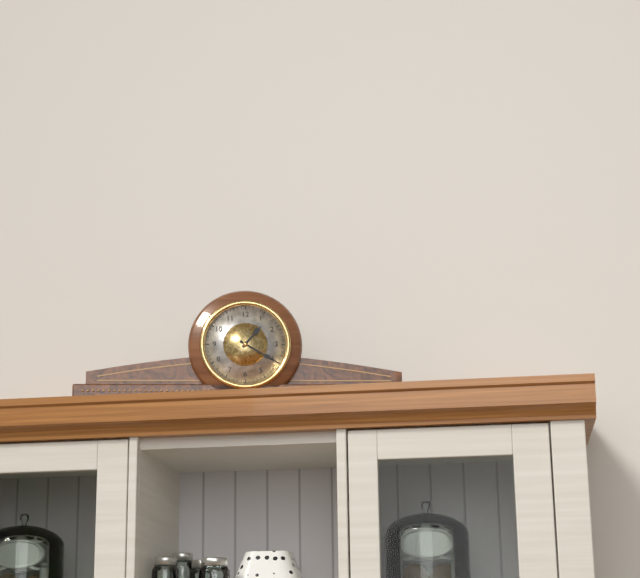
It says 1.20
